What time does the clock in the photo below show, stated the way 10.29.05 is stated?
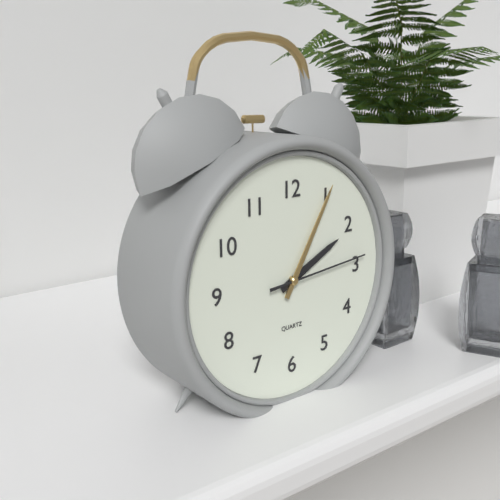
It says 2.05.14
